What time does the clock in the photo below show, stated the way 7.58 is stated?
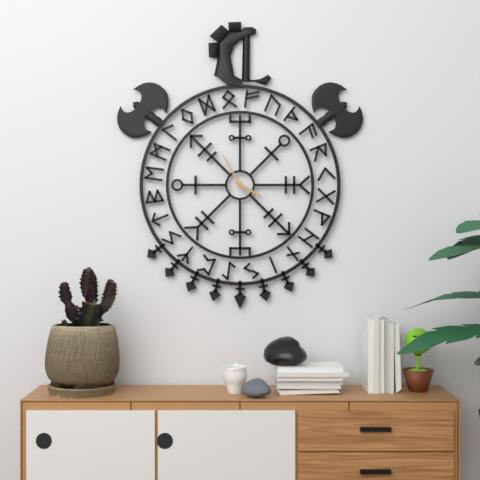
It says 3.55
